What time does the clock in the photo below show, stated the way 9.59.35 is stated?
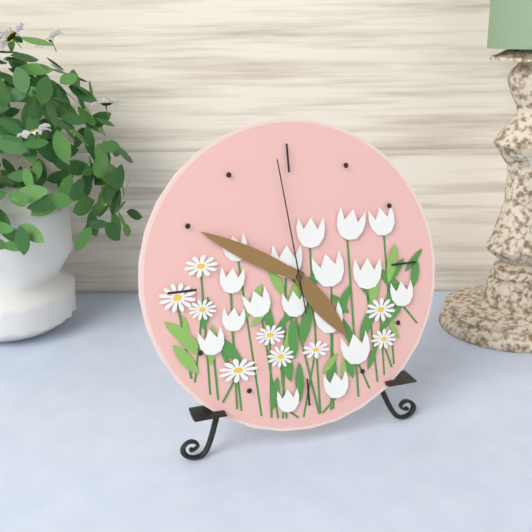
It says 4.50.59
